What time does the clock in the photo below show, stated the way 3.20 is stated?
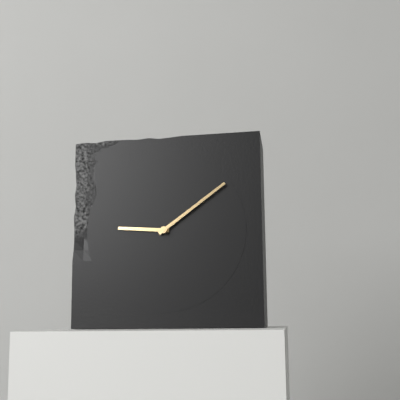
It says 9.09
